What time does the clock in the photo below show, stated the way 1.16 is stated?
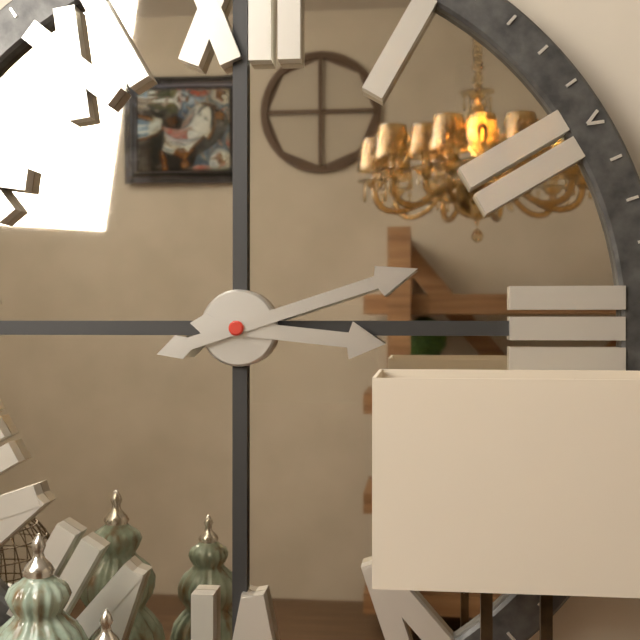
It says 3.12
